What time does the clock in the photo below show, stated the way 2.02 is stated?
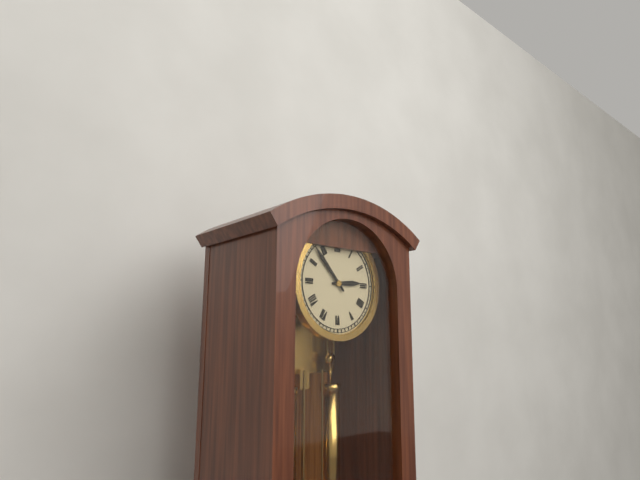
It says 2.53
